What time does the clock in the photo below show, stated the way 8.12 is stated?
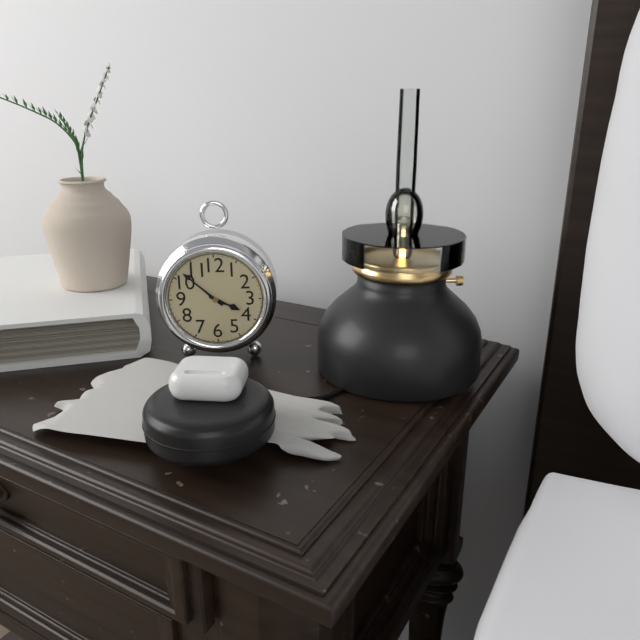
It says 3.52
